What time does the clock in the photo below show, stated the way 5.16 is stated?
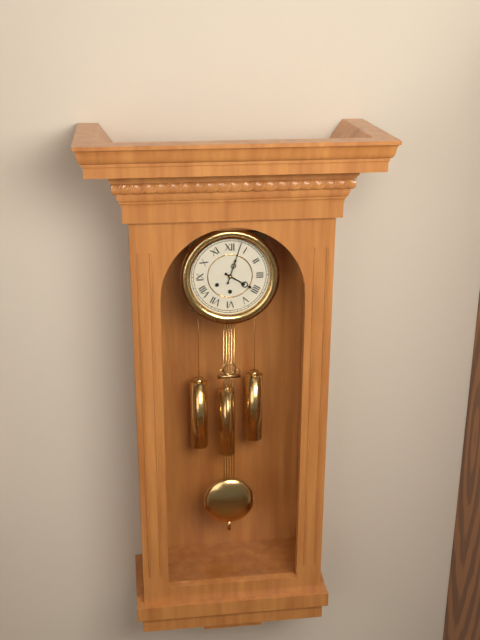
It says 4.03
